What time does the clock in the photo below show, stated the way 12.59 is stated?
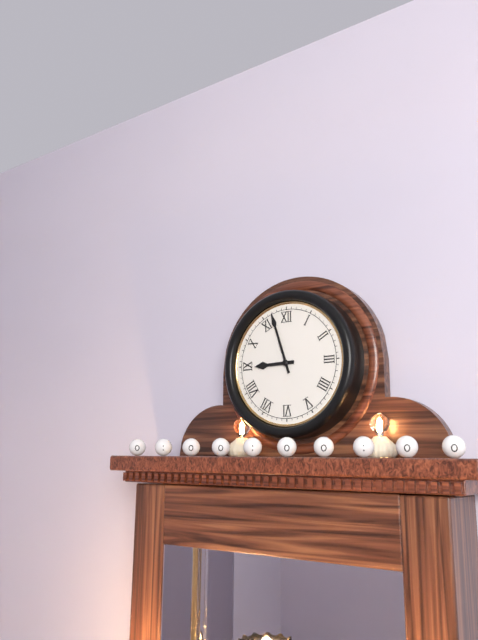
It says 8.57
